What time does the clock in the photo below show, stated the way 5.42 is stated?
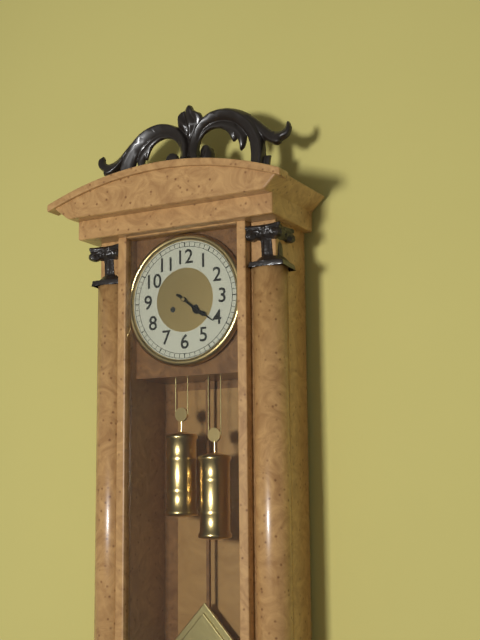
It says 4.21
